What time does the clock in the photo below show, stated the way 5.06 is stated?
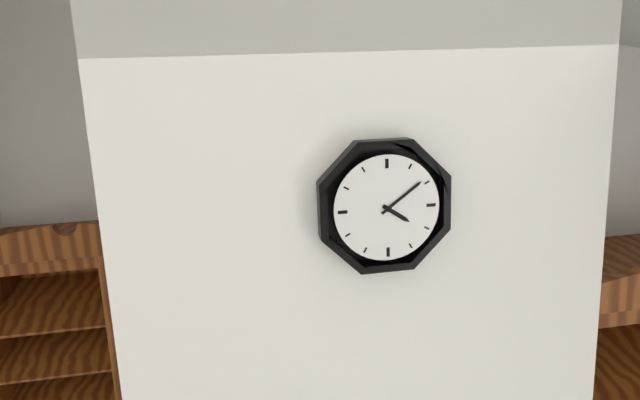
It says 4.09
